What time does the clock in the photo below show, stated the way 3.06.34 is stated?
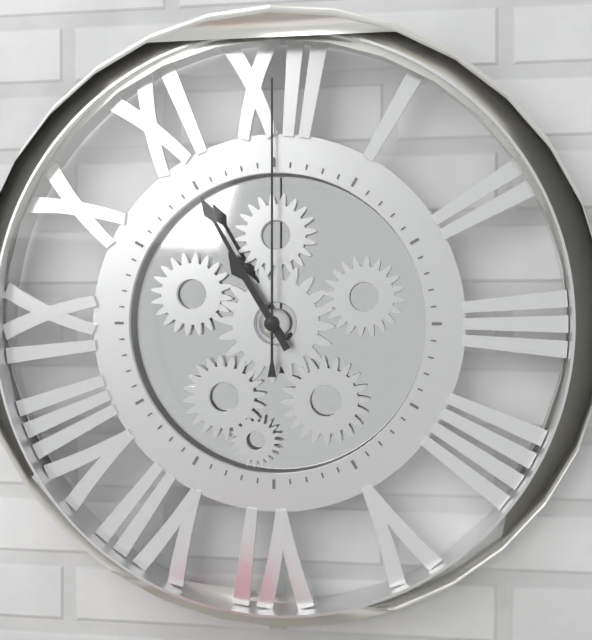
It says 10.55.00
